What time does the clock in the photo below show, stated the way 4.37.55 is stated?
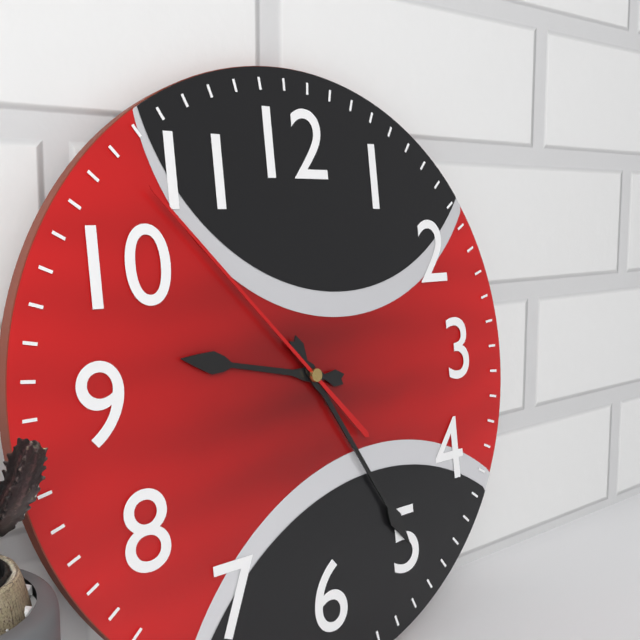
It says 9.25.53
